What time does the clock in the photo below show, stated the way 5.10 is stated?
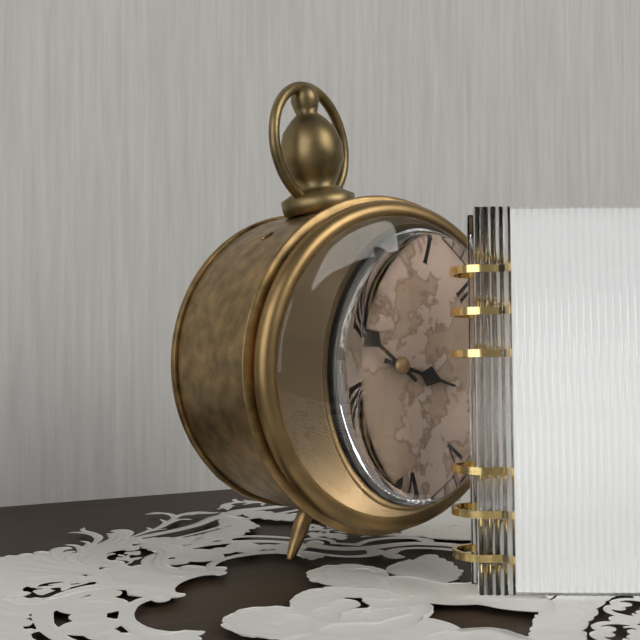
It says 3.53
